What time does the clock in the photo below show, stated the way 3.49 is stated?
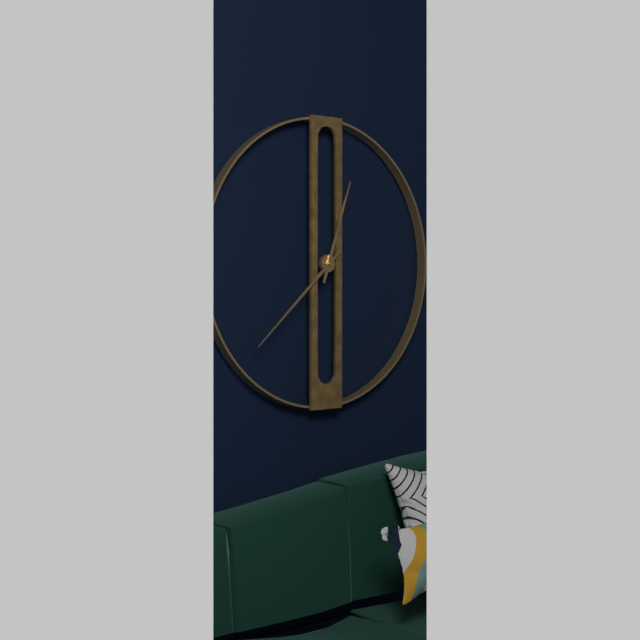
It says 12.38
